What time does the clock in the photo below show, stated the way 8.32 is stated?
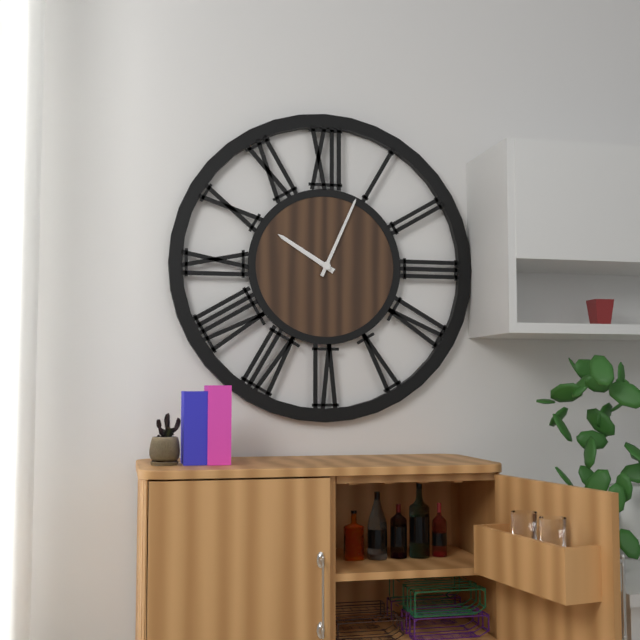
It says 10.04
